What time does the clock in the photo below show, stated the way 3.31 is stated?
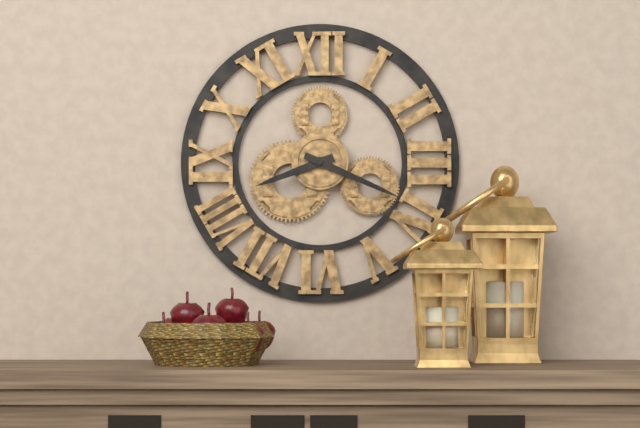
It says 8.19
